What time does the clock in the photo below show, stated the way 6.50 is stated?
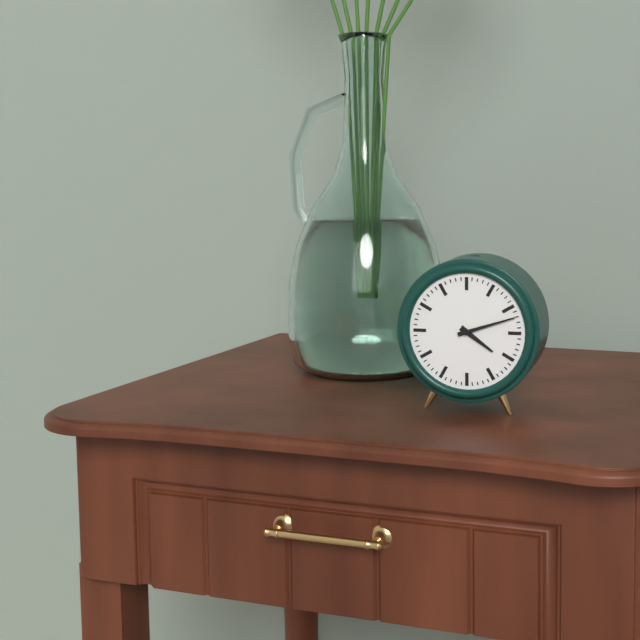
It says 4.12
